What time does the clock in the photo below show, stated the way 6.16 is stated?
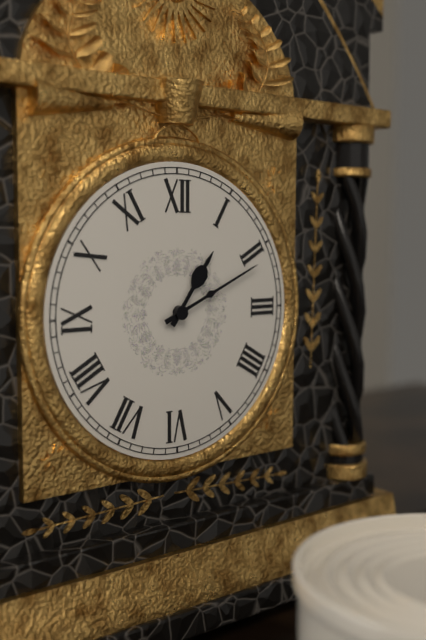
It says 1.11
